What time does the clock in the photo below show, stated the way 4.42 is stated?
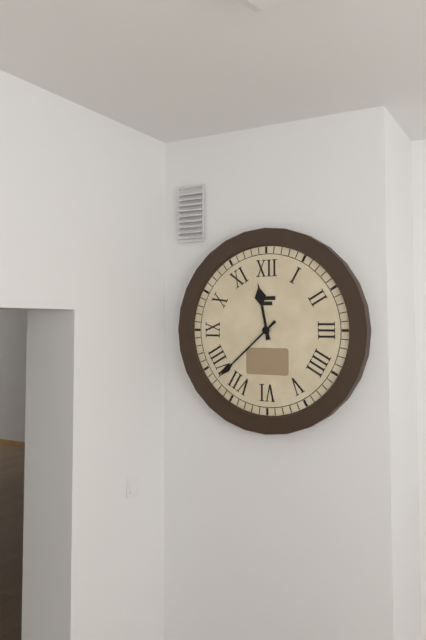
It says 11.38
